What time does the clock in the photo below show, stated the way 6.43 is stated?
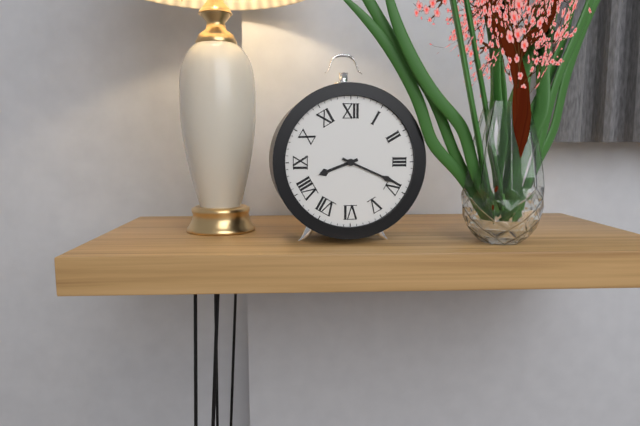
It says 8.19
